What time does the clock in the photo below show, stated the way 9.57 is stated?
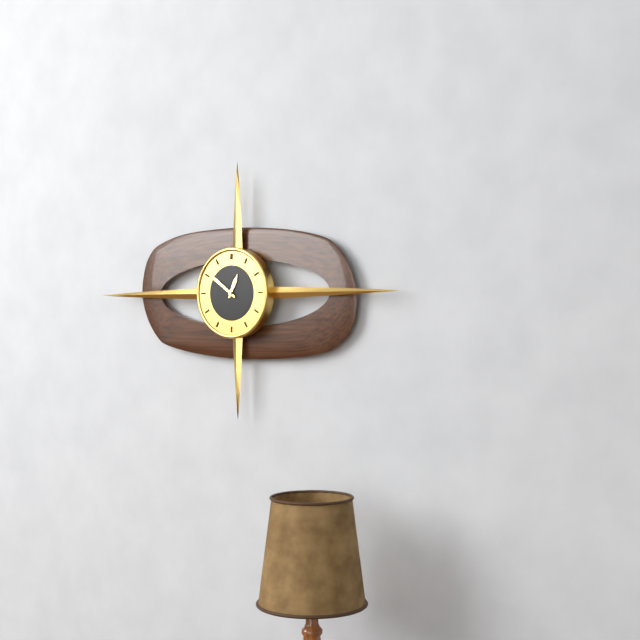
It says 12.51
